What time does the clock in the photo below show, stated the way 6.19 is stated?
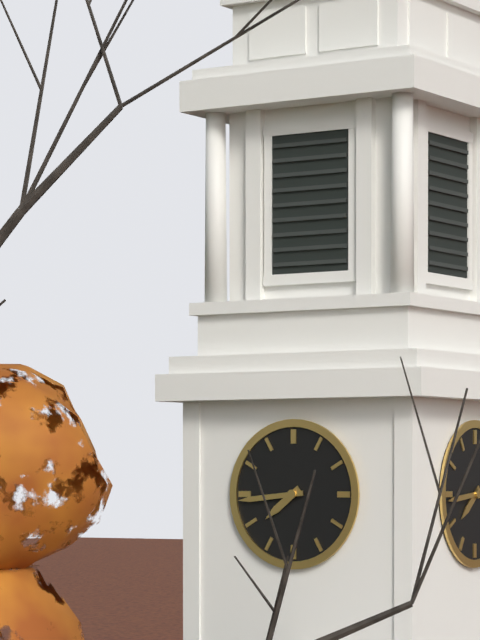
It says 7.44
